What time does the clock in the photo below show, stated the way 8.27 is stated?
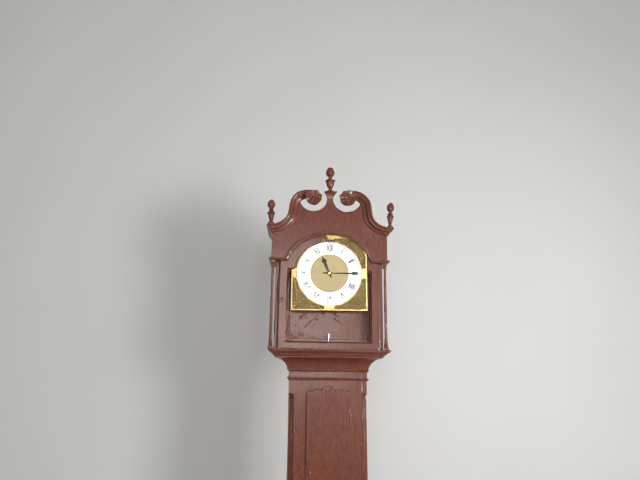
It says 11.15
